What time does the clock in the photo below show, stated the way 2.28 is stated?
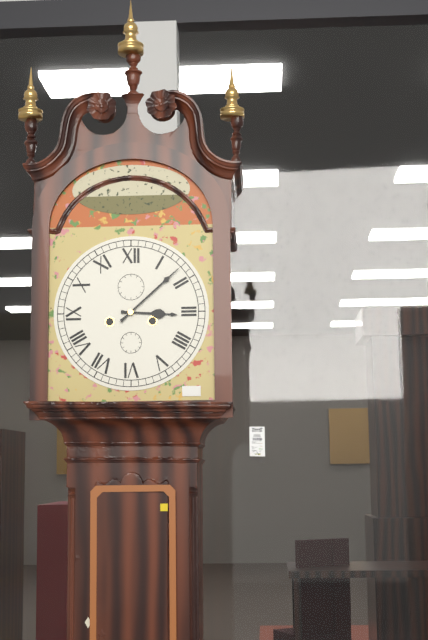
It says 3.08
